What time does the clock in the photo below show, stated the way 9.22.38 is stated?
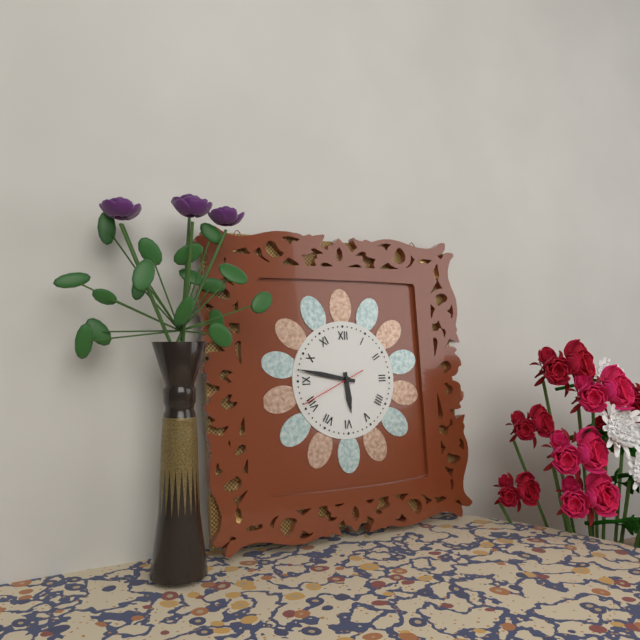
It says 5.47.41
